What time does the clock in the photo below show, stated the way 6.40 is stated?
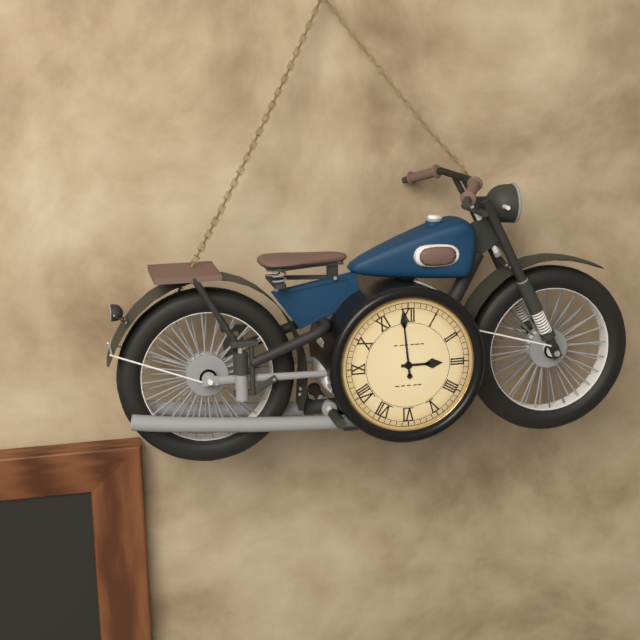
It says 2.59
